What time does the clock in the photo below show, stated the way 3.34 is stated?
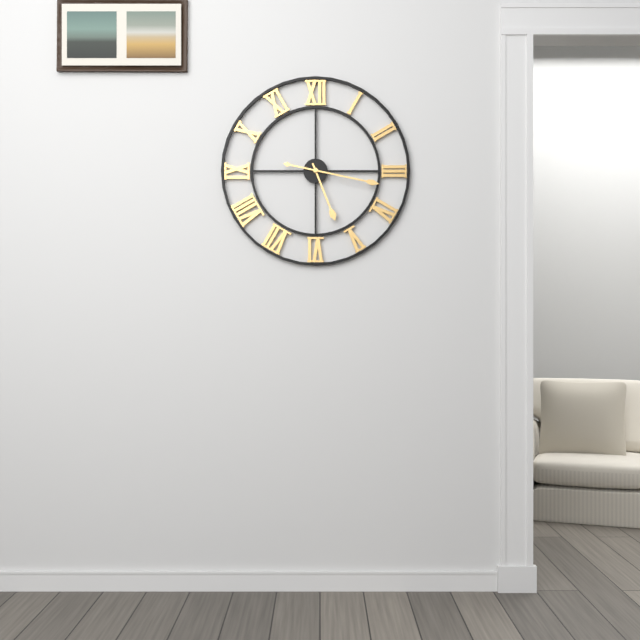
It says 5.17
